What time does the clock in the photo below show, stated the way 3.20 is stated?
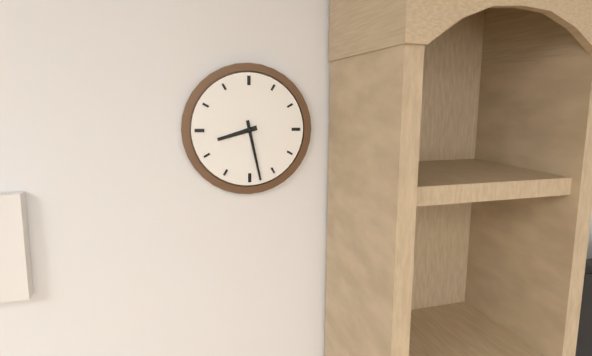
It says 8.28
